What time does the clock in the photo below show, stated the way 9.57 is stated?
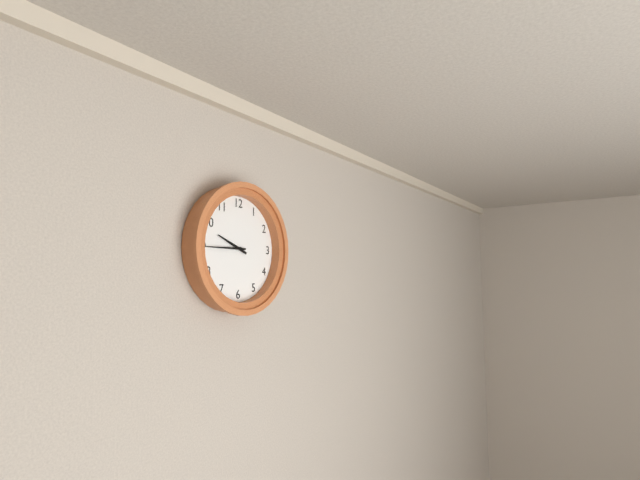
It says 9.45
